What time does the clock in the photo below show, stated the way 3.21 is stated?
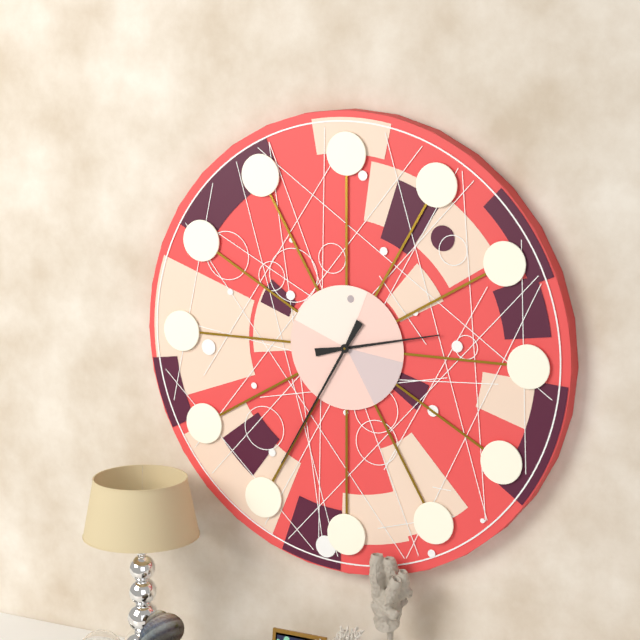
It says 2.35
